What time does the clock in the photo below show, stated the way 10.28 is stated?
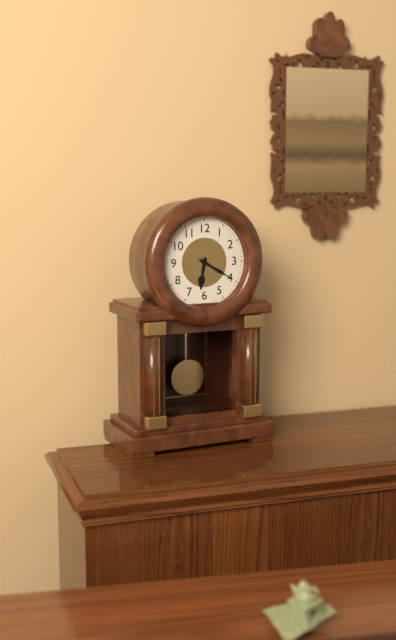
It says 6.20
